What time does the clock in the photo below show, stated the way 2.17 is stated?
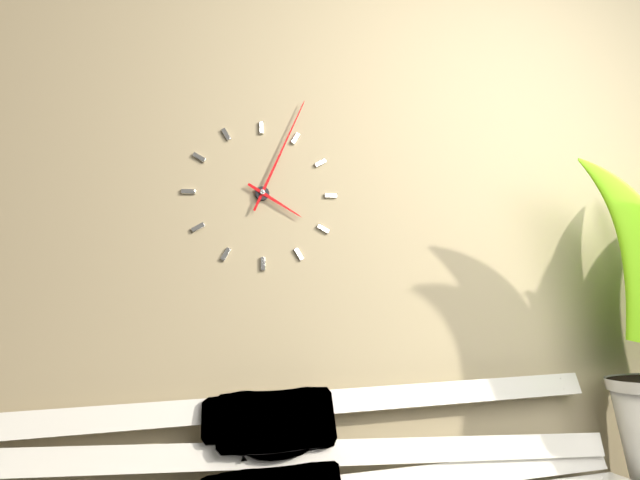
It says 4.04
